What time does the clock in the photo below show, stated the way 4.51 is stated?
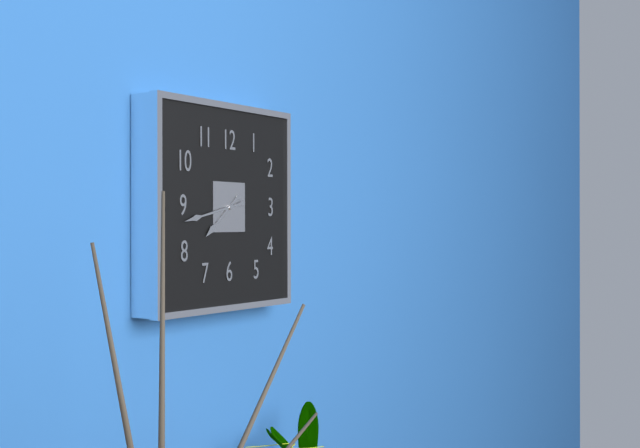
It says 7.43
